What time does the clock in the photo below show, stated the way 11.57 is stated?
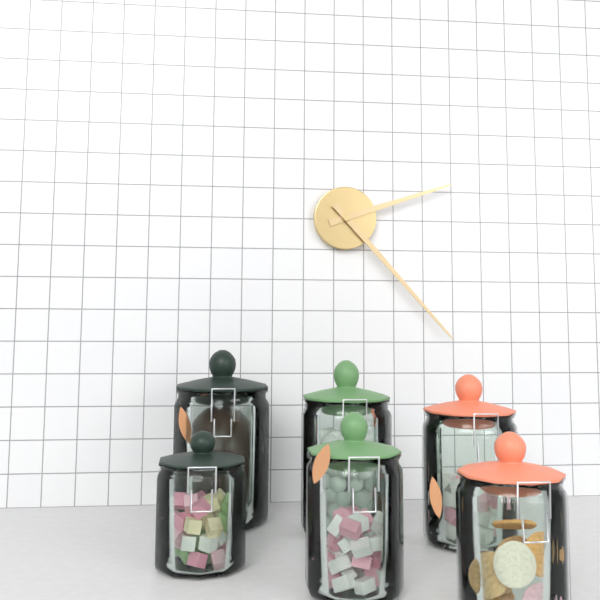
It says 2.23
